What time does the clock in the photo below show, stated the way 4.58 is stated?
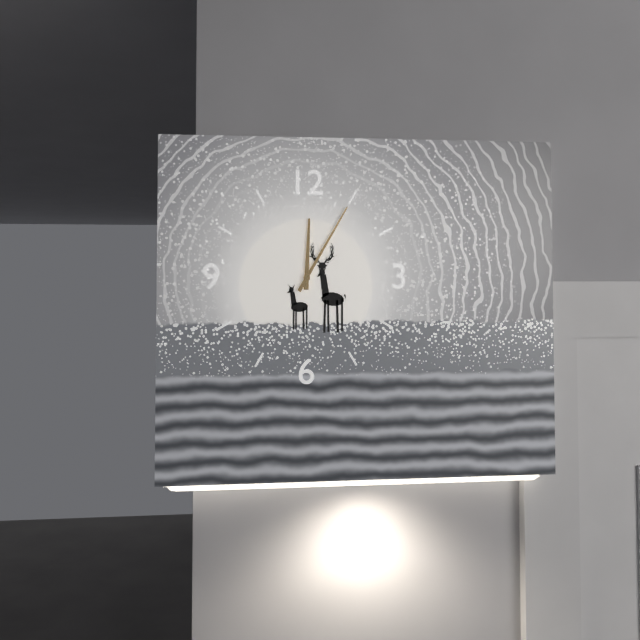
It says 12.05
